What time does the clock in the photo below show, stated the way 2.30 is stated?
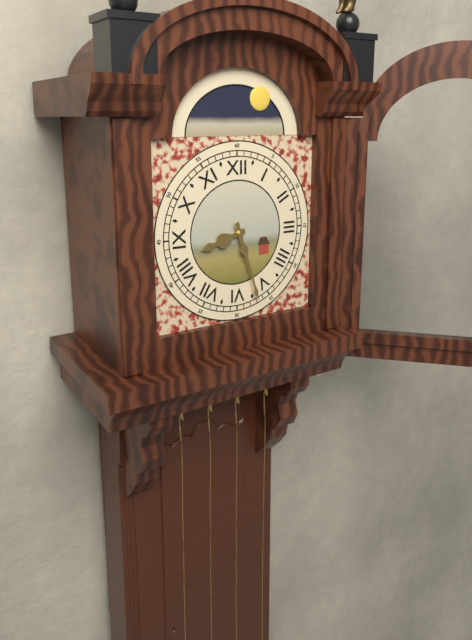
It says 8.27
